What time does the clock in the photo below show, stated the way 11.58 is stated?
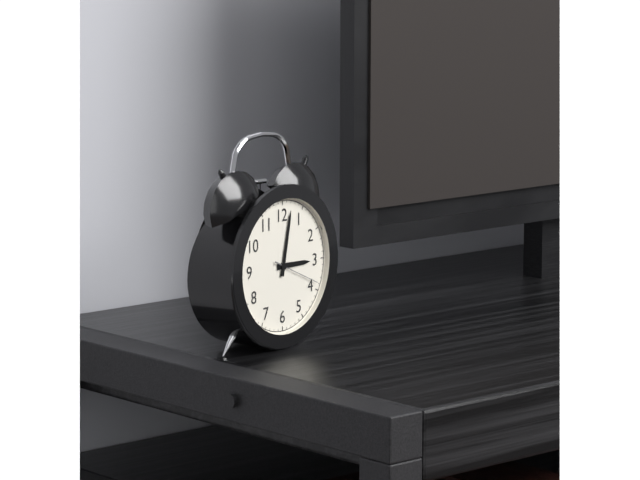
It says 3.02
